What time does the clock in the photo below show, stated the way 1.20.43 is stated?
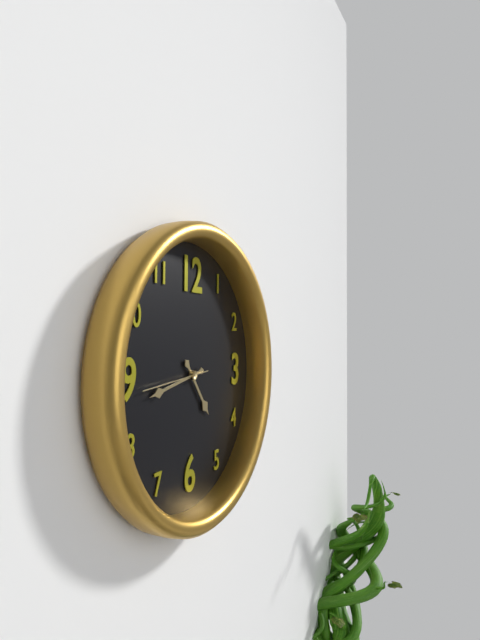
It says 4.43.44
